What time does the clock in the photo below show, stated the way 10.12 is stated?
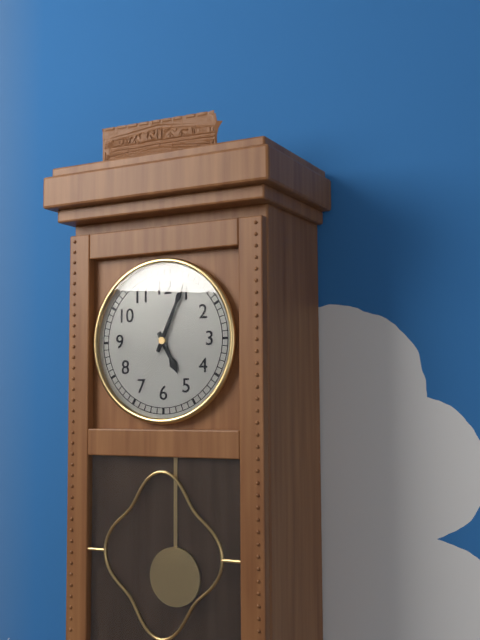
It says 5.04
